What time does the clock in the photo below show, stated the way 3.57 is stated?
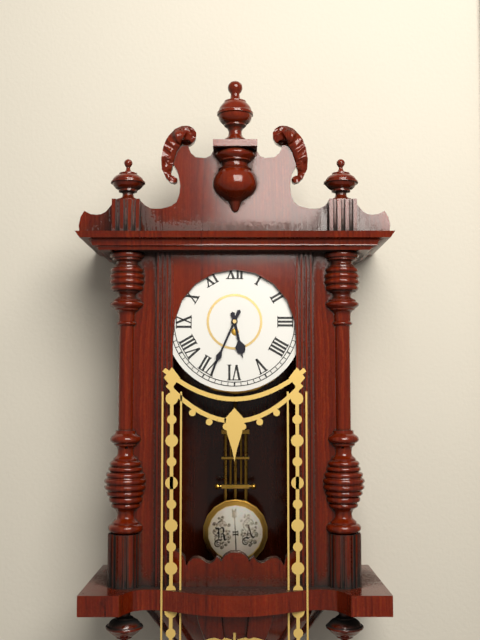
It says 5.34
